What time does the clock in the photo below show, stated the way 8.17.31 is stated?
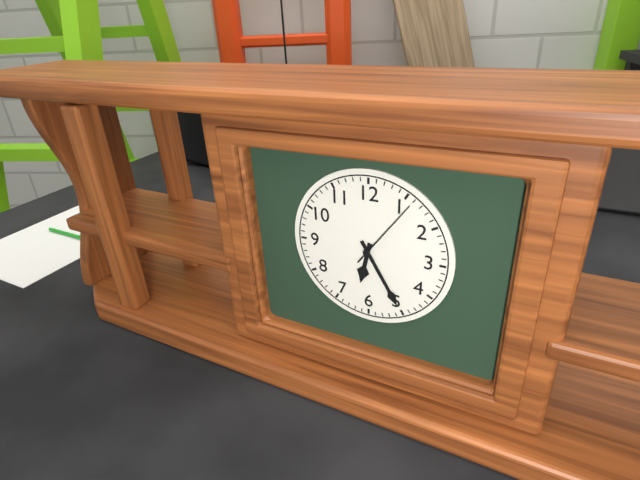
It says 6.25.06
